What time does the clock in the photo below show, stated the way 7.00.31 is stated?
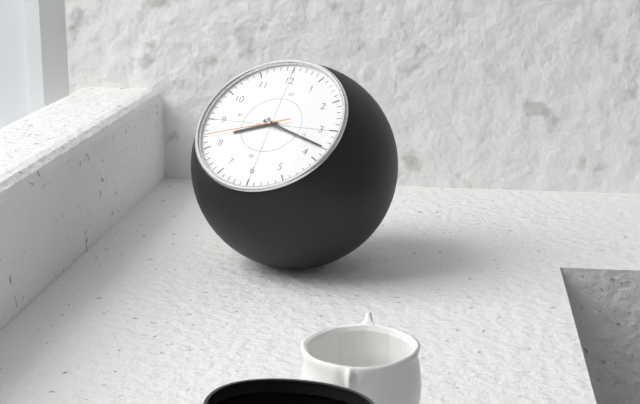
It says 8.18.42
